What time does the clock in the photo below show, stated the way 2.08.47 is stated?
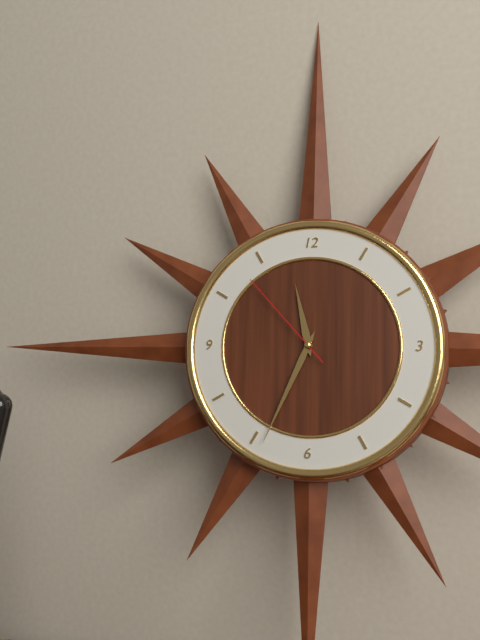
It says 11.34.53
